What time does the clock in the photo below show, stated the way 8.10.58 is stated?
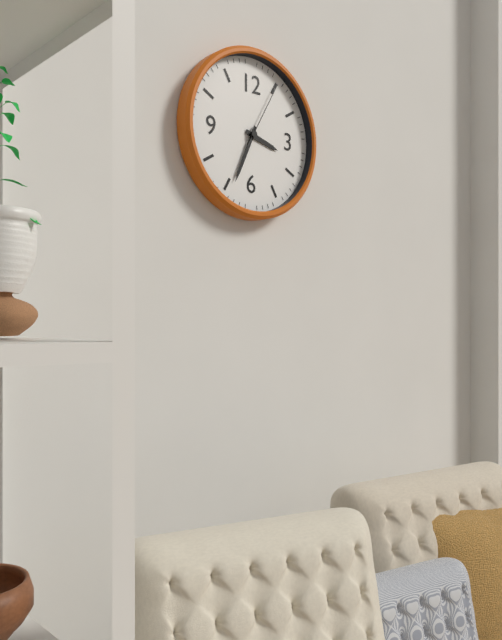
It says 3.34.05
